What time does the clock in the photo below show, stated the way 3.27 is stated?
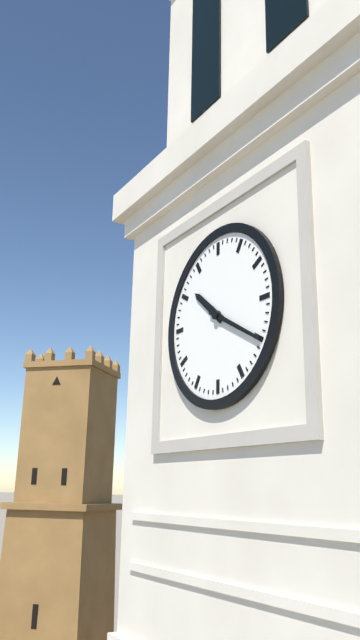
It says 10.20
